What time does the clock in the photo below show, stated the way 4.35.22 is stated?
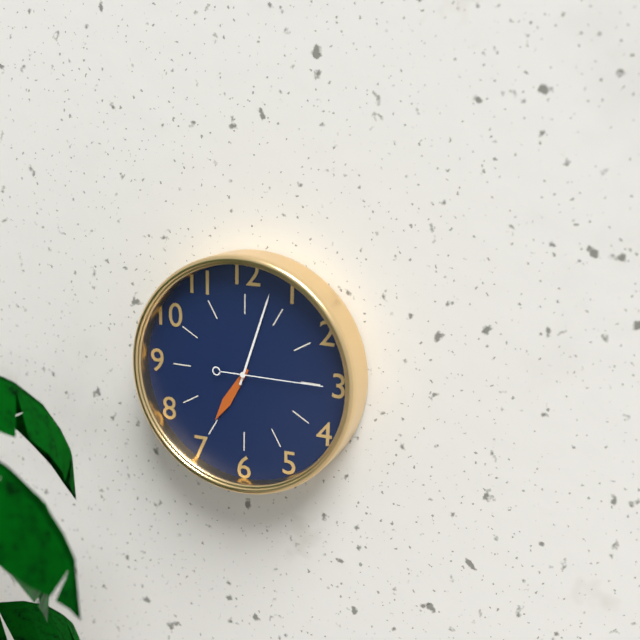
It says 7.03.15
